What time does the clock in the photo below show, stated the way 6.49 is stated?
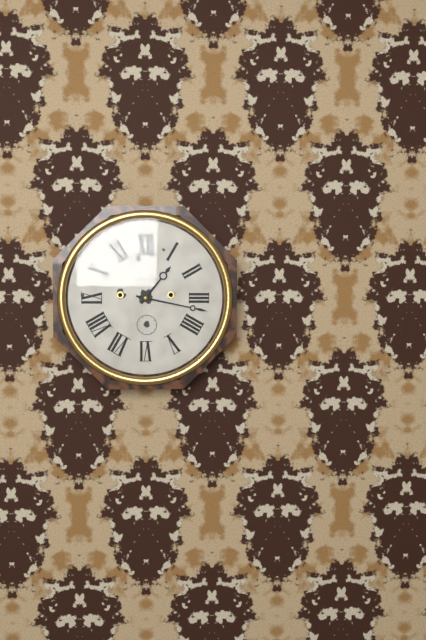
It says 1.17
